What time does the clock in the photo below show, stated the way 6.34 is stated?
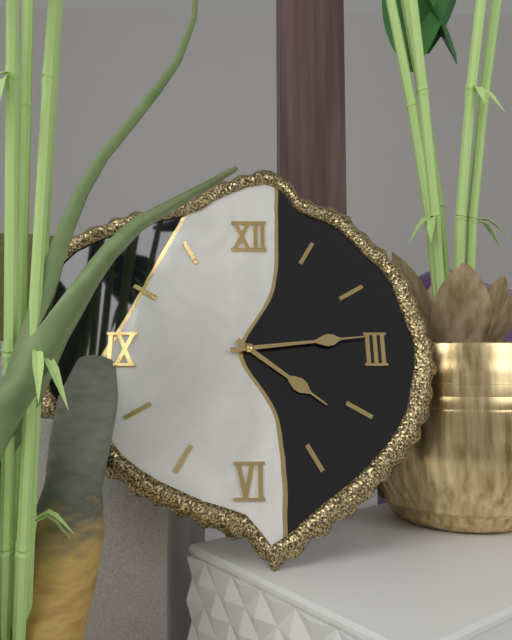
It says 4.14
